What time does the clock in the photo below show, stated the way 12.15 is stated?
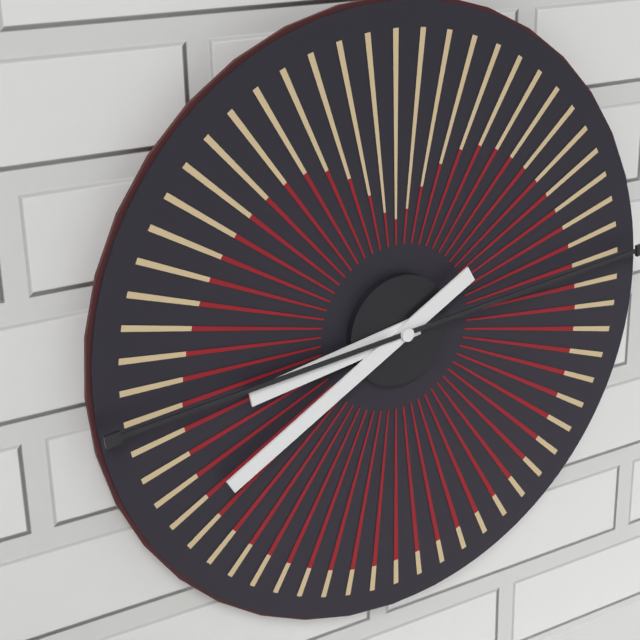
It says 8.40
